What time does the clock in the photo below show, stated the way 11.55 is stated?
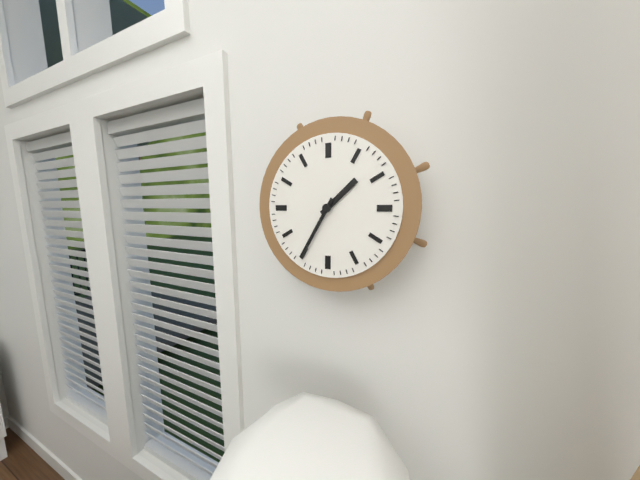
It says 1.35
